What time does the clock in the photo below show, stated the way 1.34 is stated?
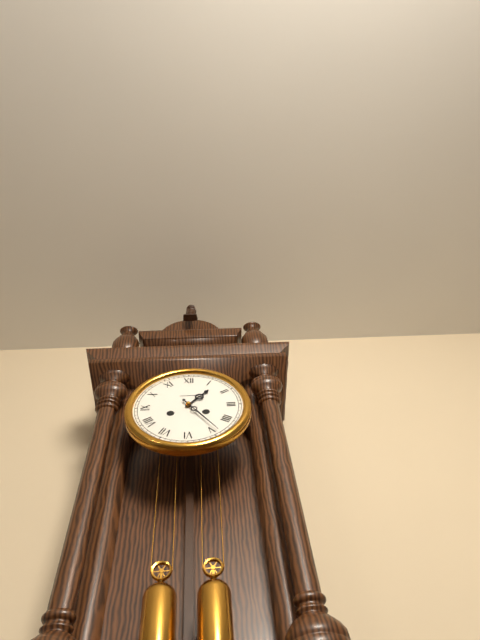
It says 1.24
